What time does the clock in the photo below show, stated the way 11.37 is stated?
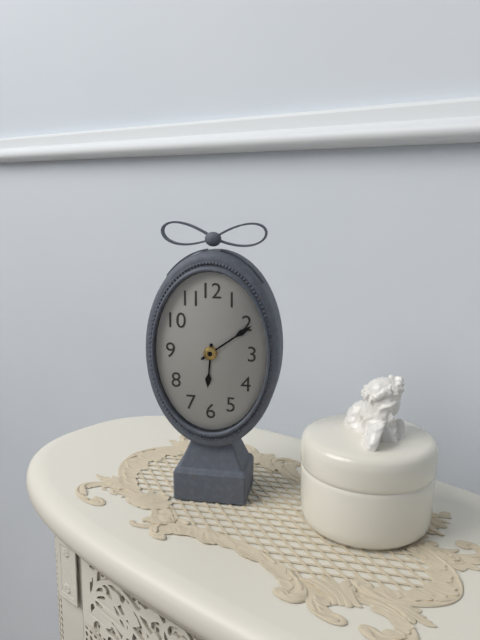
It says 6.09
